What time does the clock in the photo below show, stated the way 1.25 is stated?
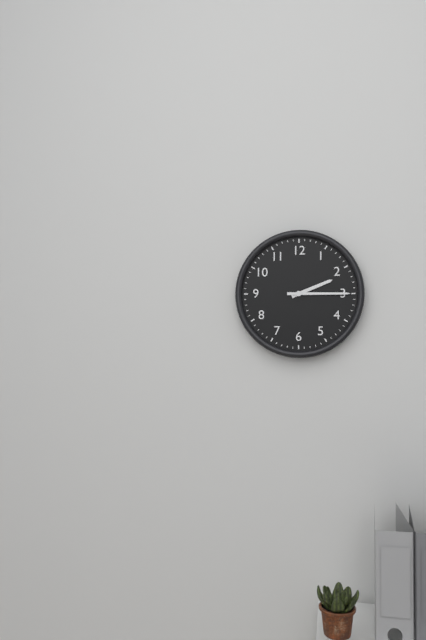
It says 2.15
